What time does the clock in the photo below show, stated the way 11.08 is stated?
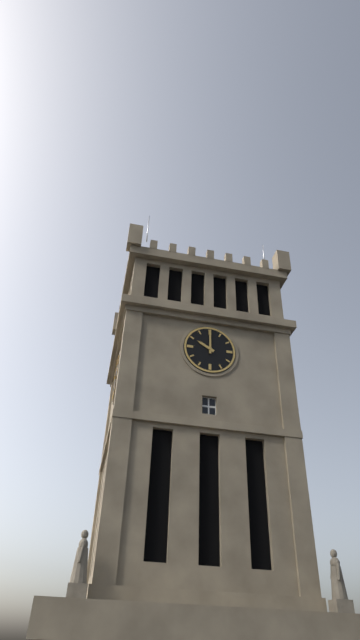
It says 10.00
